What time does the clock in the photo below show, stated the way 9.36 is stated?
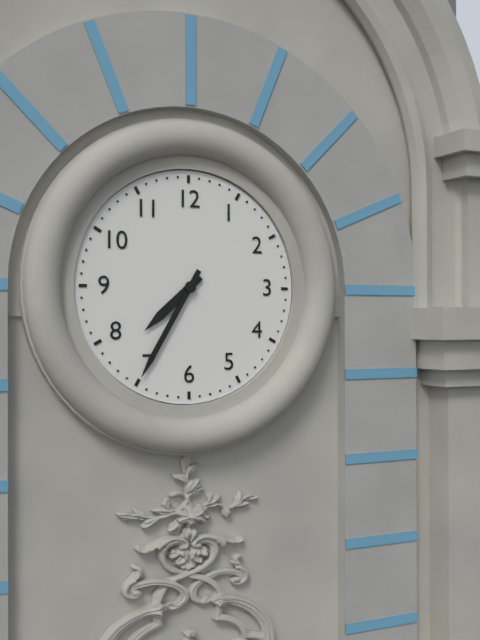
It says 7.35
